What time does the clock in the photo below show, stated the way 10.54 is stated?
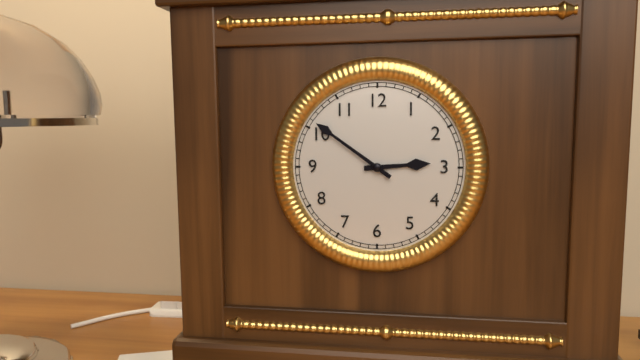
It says 2.51
